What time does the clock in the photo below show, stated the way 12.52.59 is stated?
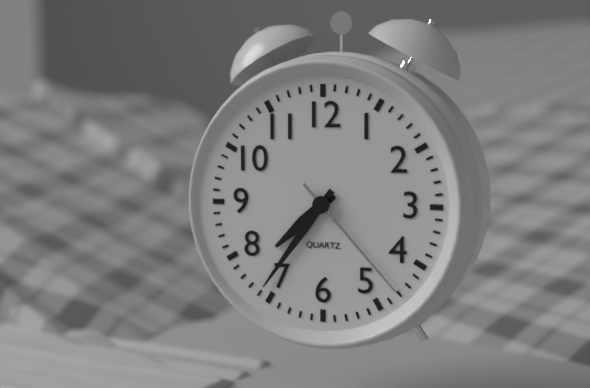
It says 7.36.23
